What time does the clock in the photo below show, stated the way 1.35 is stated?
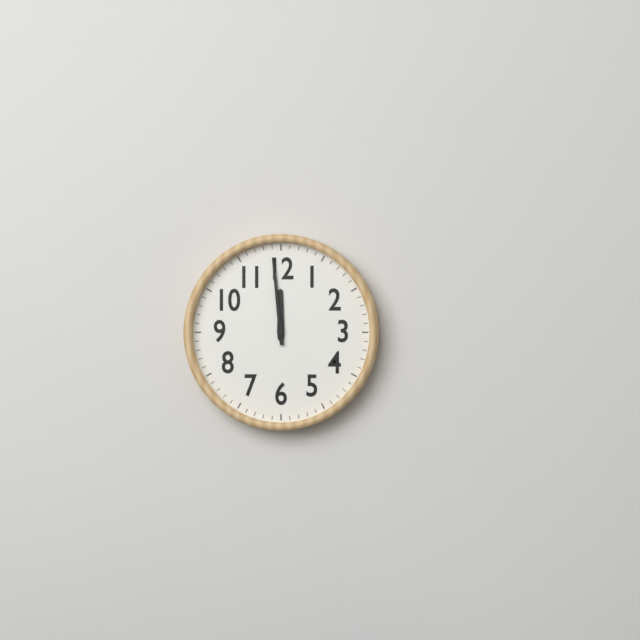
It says 11.59
